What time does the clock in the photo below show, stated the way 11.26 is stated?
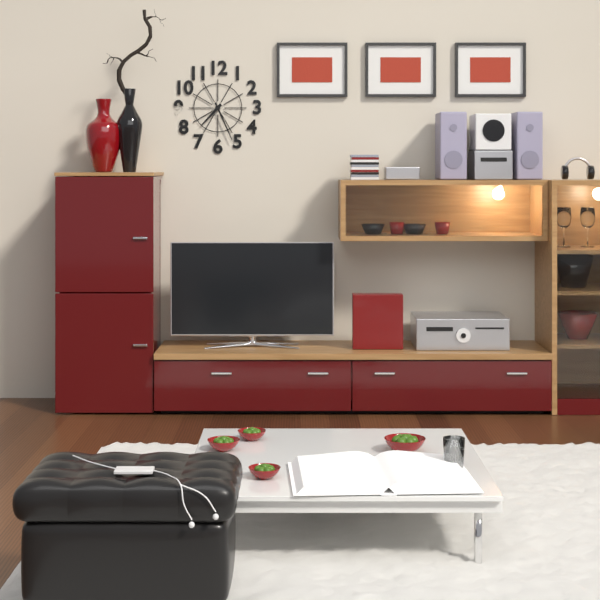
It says 7.26
